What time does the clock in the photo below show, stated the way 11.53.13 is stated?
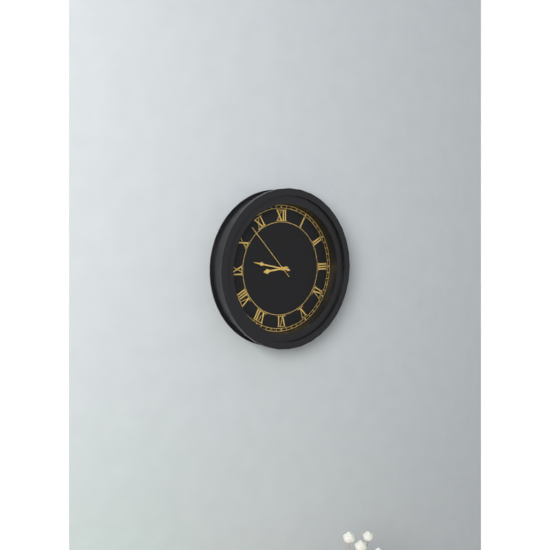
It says 8.47.53
